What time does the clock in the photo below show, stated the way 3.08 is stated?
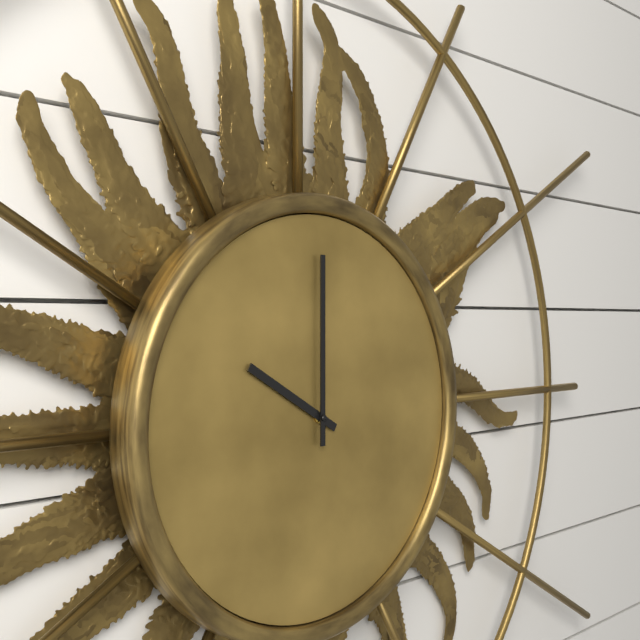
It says 10.00
